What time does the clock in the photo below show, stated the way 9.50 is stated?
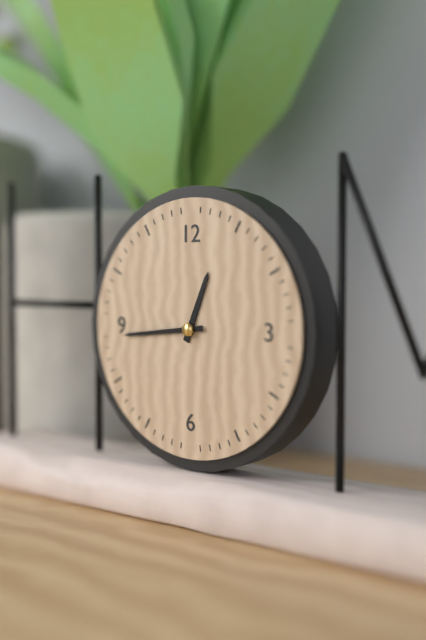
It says 12.44
